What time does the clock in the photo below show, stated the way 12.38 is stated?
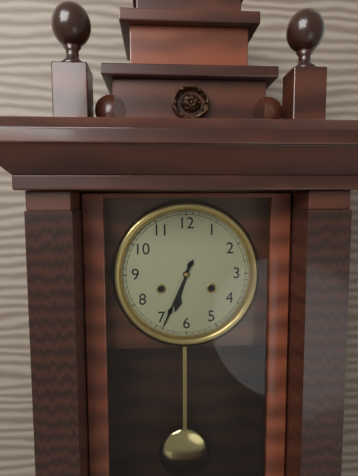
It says 6.34
